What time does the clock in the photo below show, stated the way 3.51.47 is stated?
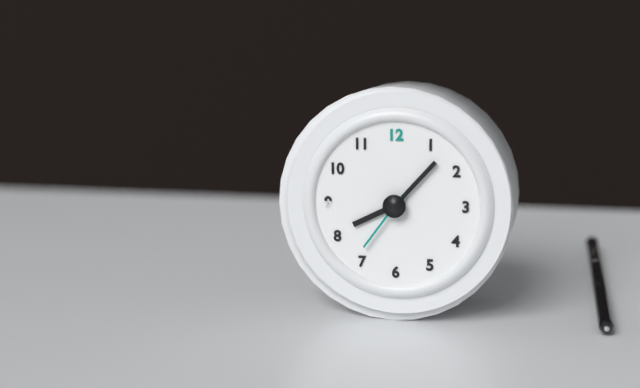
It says 8.07.36
